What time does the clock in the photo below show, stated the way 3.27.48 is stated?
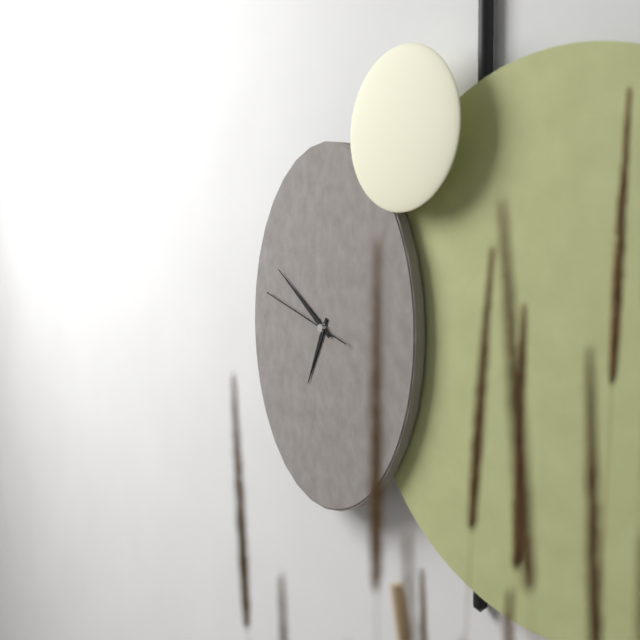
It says 6.51.48
